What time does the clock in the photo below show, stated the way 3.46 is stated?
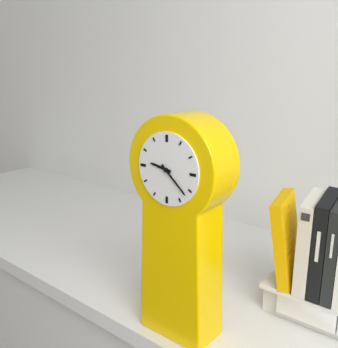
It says 9.22
